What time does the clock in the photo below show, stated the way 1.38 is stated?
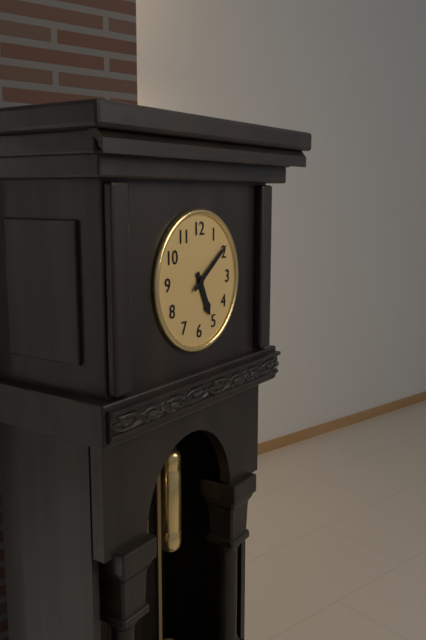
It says 5.09
